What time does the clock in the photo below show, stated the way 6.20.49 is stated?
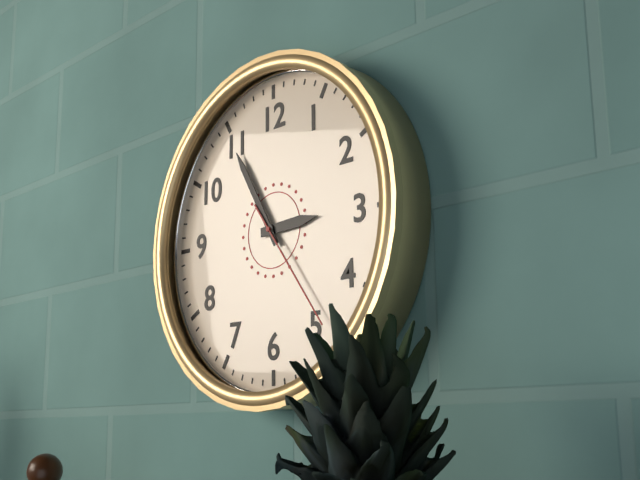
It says 2.55.24
